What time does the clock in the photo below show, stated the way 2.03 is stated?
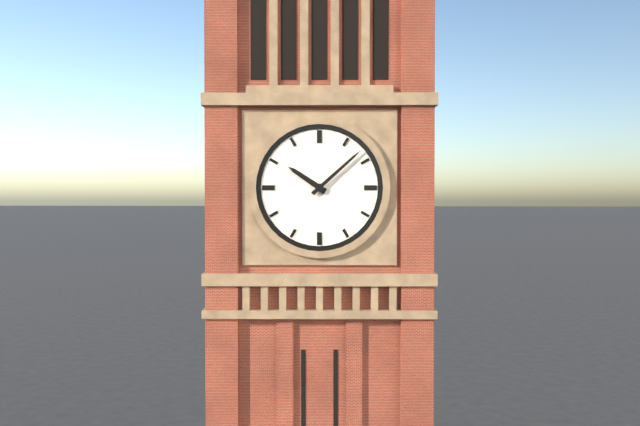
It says 10.08
